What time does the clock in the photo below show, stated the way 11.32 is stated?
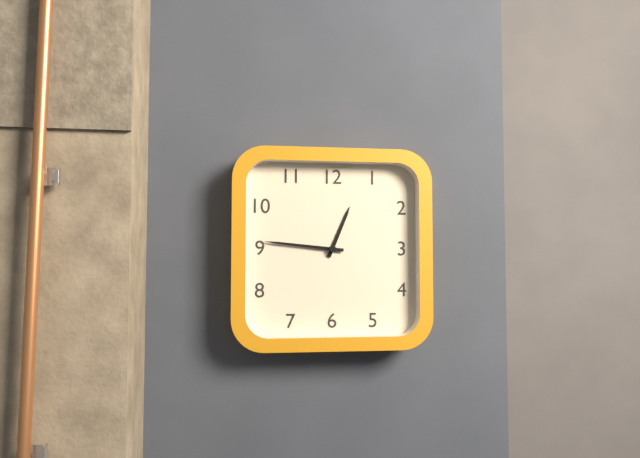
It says 12.46
